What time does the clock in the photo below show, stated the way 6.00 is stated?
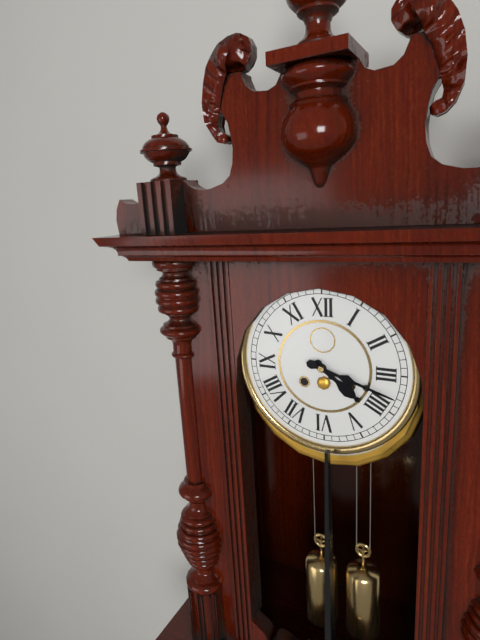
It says 4.18
